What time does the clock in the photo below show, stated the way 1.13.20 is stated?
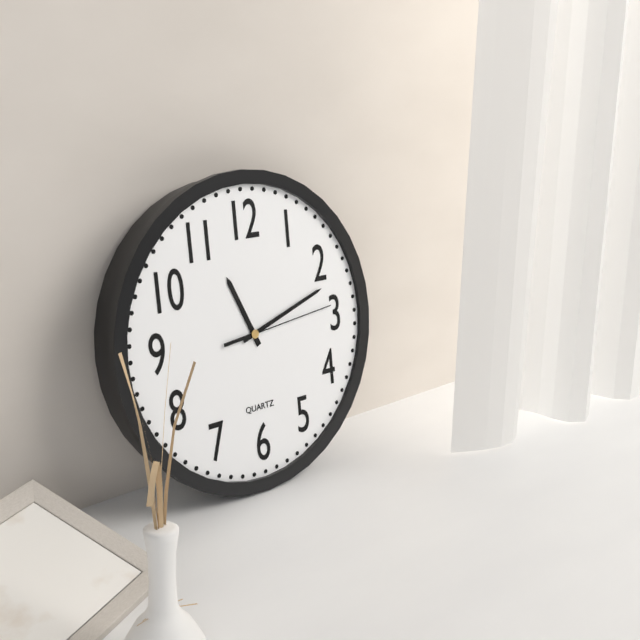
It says 11.12.14
